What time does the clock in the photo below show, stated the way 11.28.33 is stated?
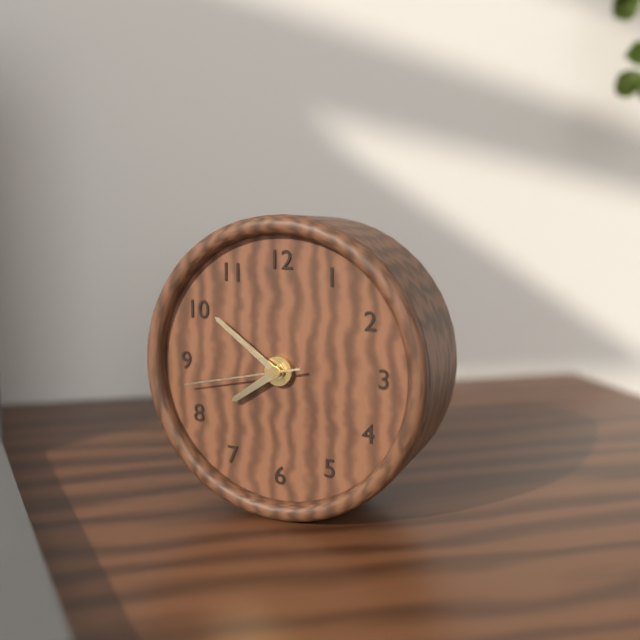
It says 7.51.43
